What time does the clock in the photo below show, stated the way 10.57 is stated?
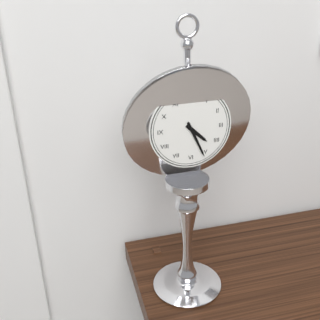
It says 4.26
